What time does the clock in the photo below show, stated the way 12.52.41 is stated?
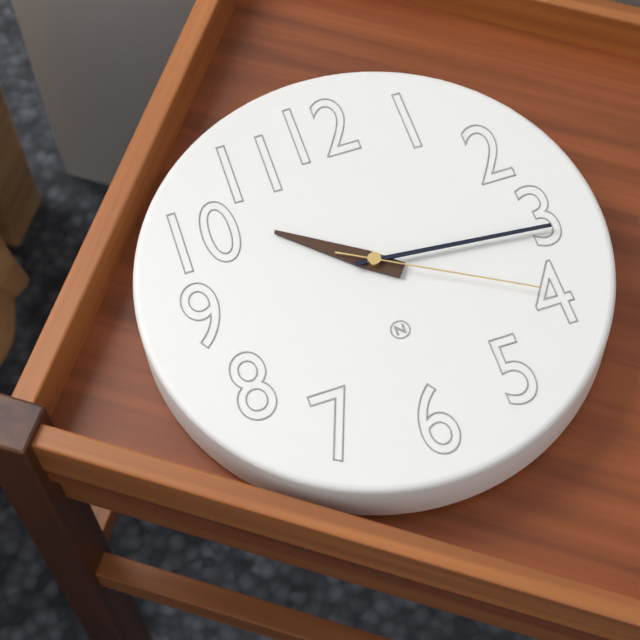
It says 10.16.20
